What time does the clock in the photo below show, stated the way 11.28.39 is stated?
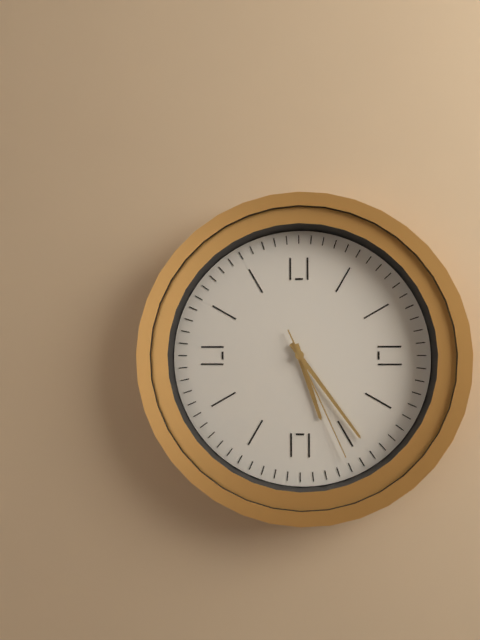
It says 5.24.26
